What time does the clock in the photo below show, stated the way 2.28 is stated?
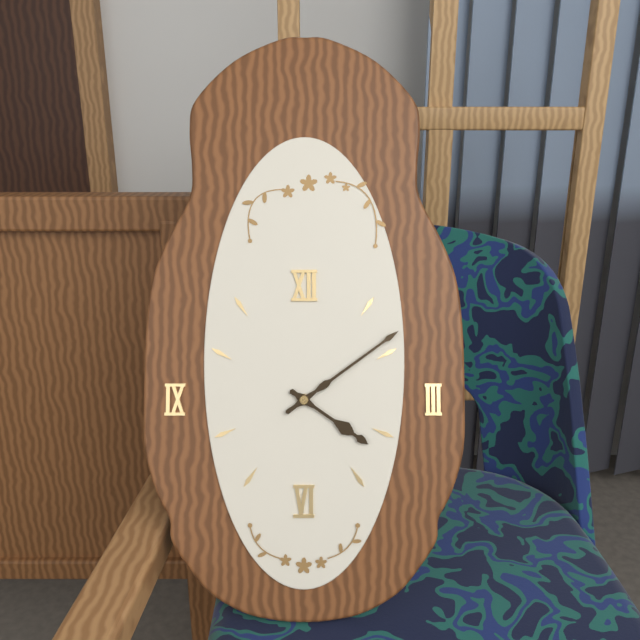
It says 4.09
